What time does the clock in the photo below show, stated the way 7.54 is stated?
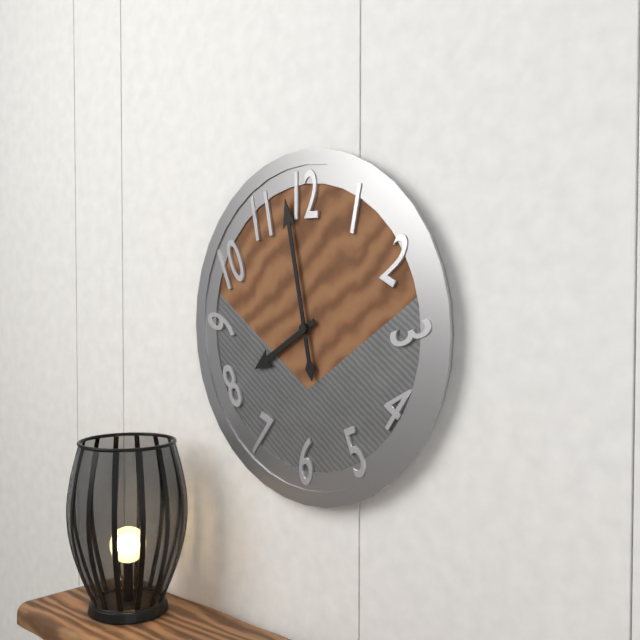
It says 7.58
